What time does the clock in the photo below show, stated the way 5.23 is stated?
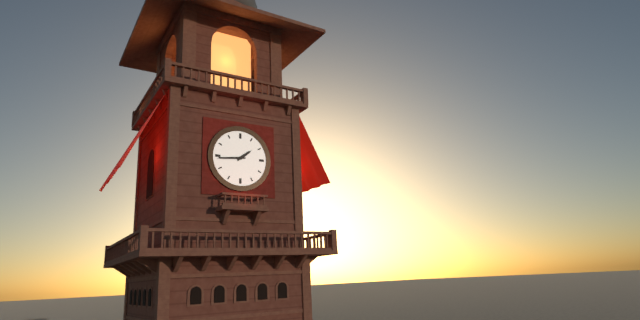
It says 1.44
